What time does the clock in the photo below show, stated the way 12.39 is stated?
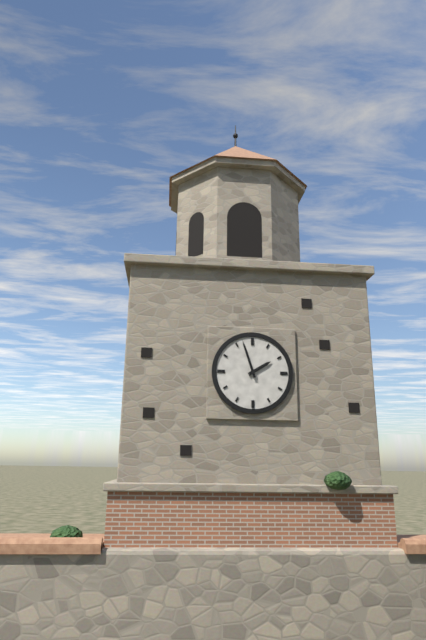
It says 1.57
